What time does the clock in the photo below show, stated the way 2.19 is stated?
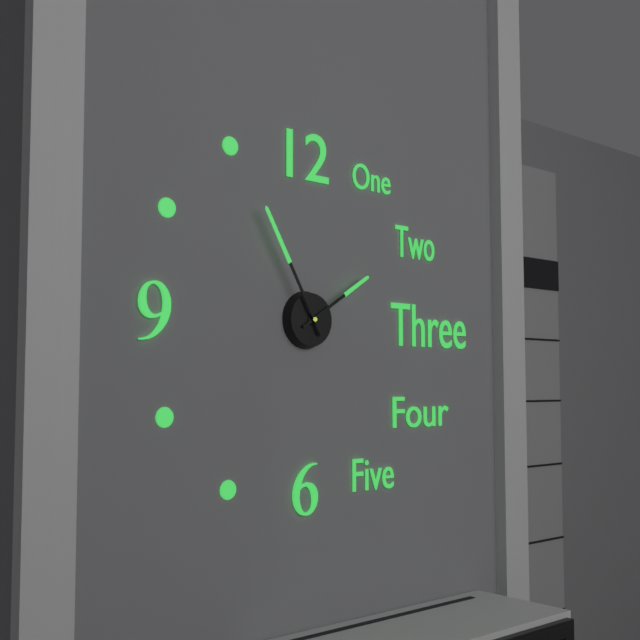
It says 1.55
